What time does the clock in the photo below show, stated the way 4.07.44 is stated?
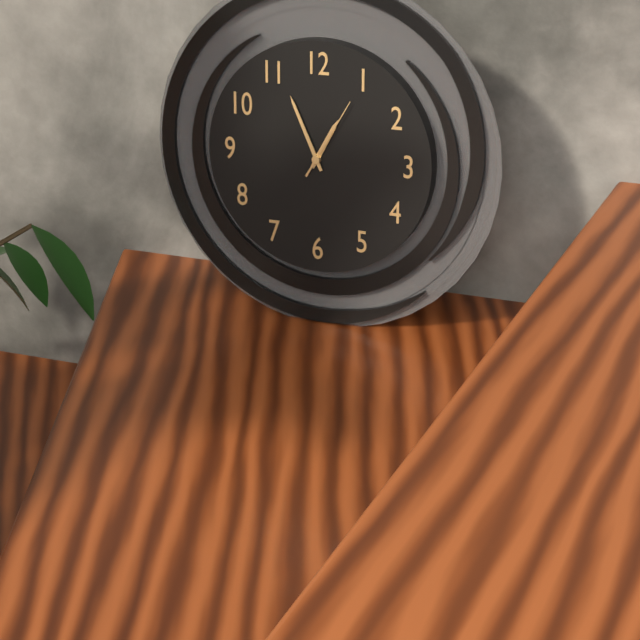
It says 12.56.05
